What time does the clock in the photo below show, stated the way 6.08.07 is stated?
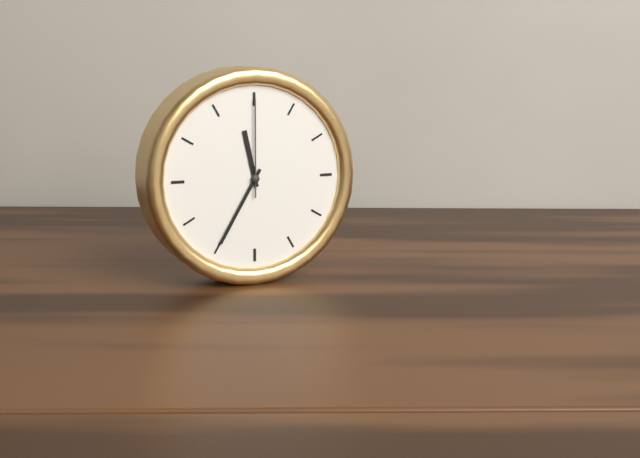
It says 11.35.00
